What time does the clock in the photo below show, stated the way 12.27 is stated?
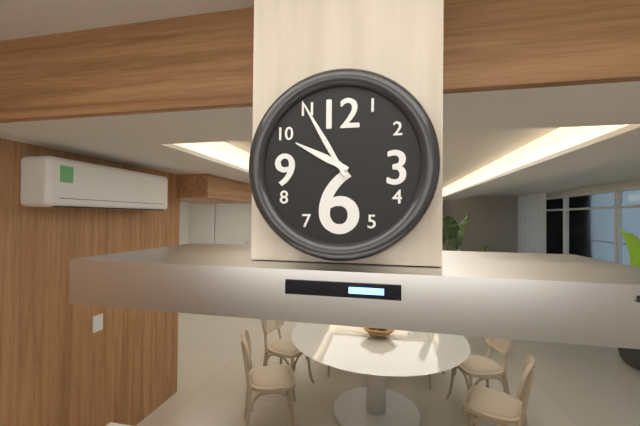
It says 9.55
